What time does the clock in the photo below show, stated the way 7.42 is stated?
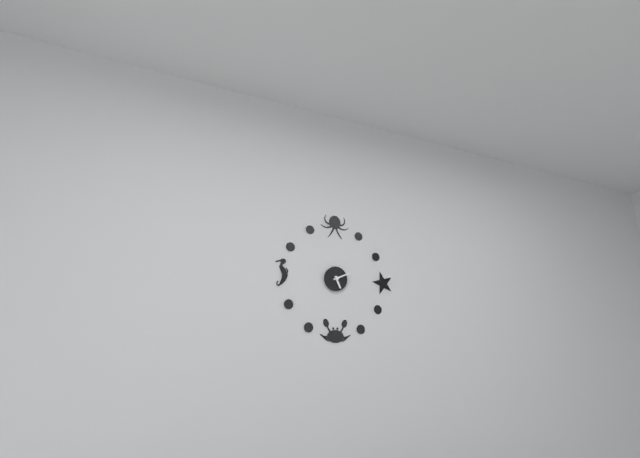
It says 5.11
